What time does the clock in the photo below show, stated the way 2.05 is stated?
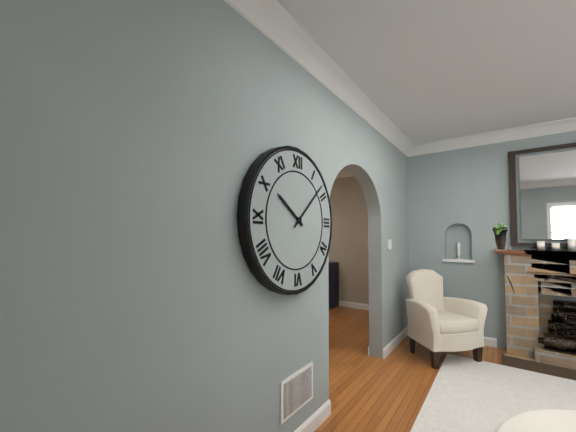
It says 10.08
